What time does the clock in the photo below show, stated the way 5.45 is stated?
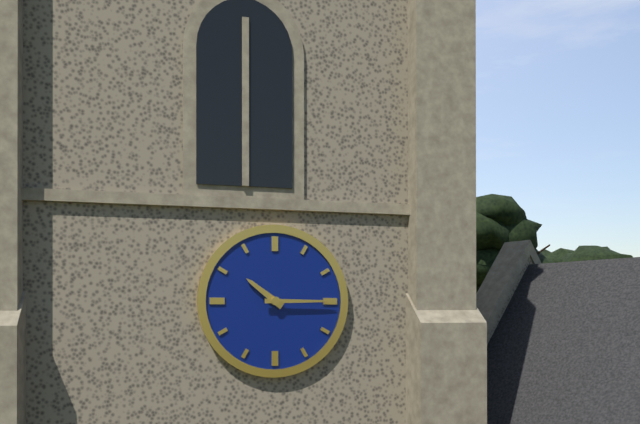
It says 10.15
